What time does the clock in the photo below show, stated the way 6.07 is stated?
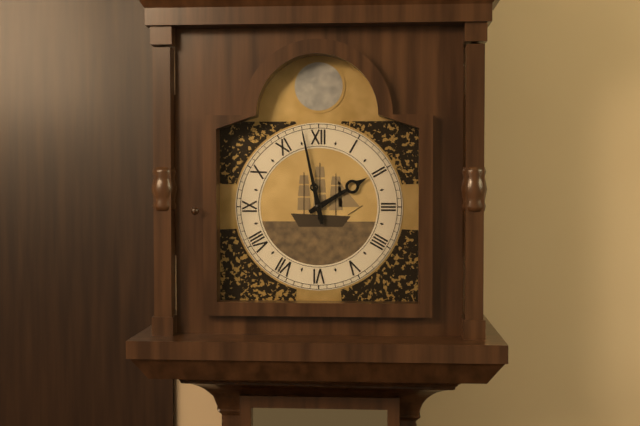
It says 1.58
